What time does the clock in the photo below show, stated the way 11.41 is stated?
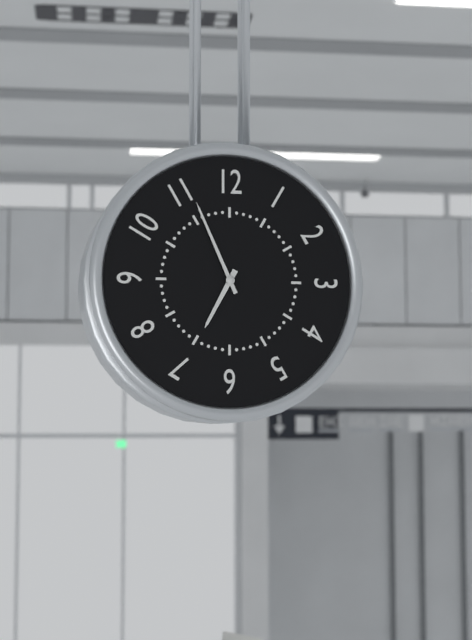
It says 6.56
